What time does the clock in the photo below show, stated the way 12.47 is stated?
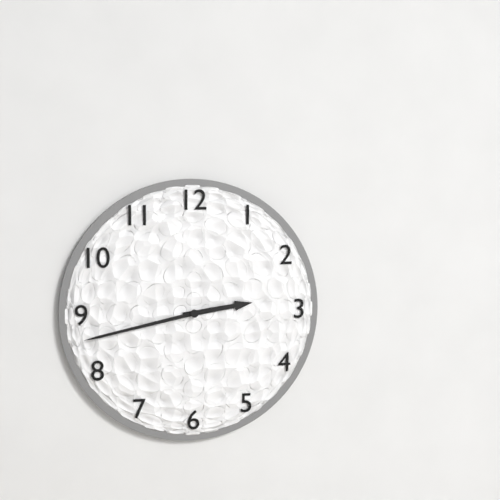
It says 2.43
